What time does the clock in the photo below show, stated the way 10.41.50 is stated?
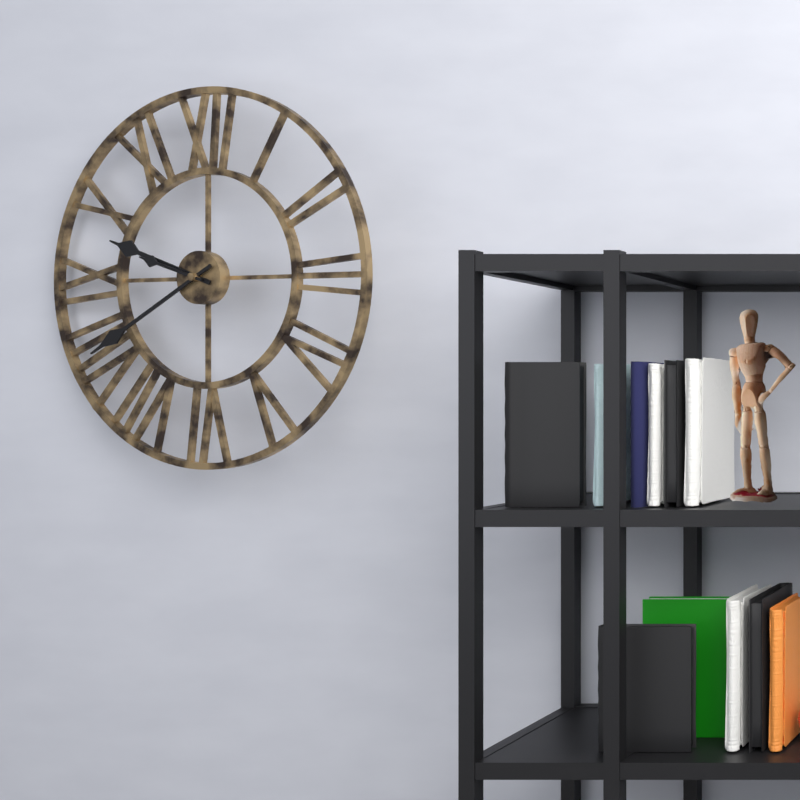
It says 9.40.48
